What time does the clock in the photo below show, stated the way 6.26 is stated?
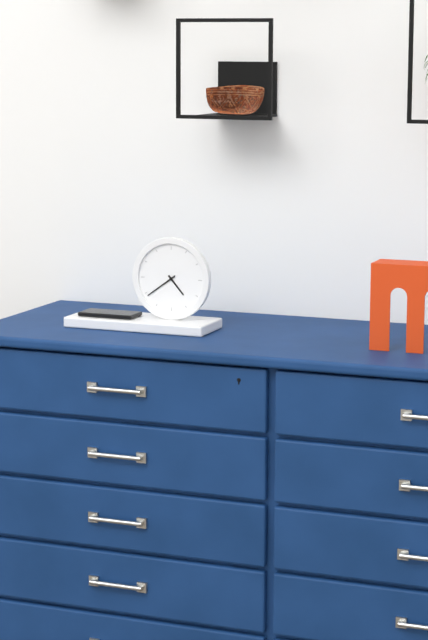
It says 4.39
